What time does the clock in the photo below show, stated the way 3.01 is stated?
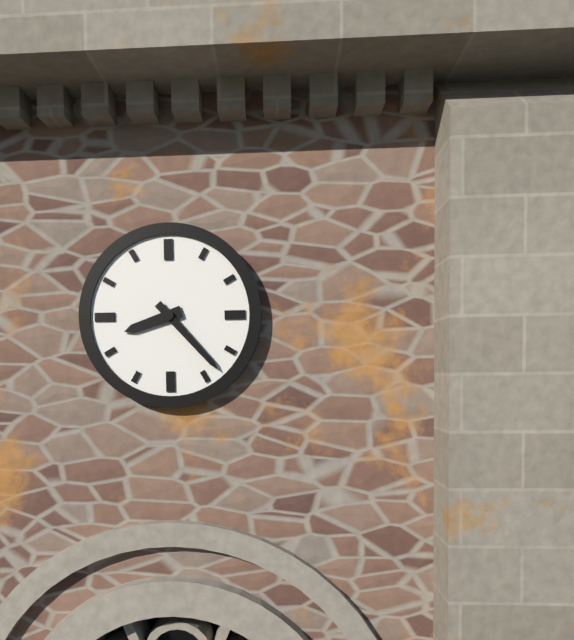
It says 8.23
